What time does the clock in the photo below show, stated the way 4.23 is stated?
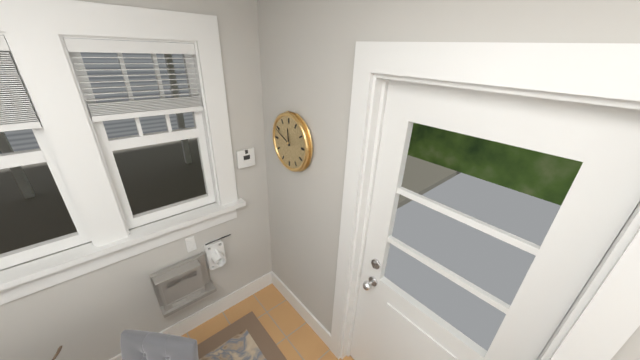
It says 11.49
